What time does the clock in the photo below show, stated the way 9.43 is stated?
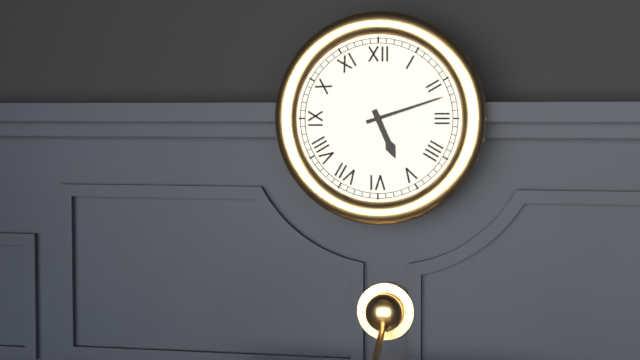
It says 5.12
